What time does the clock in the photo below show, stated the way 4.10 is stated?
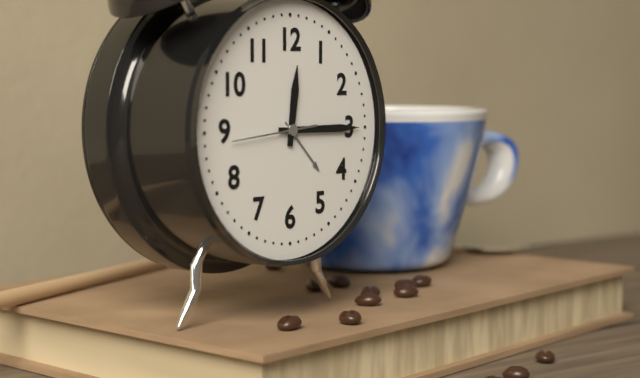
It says 12.15
